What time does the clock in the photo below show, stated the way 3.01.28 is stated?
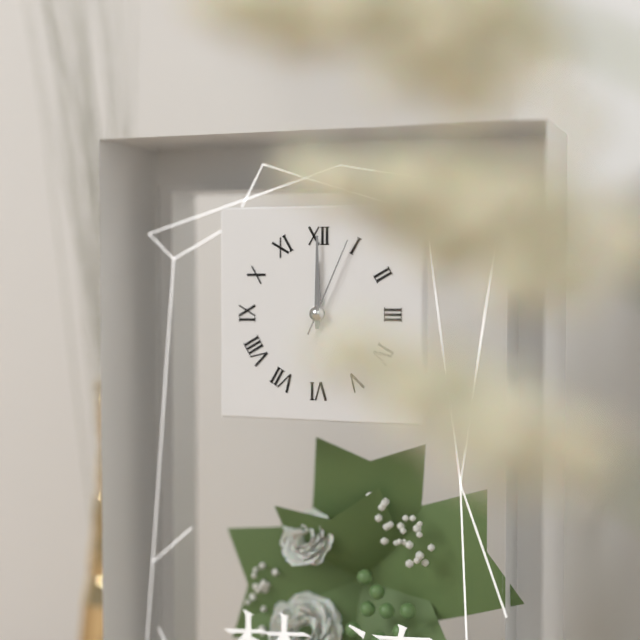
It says 12.00.04
